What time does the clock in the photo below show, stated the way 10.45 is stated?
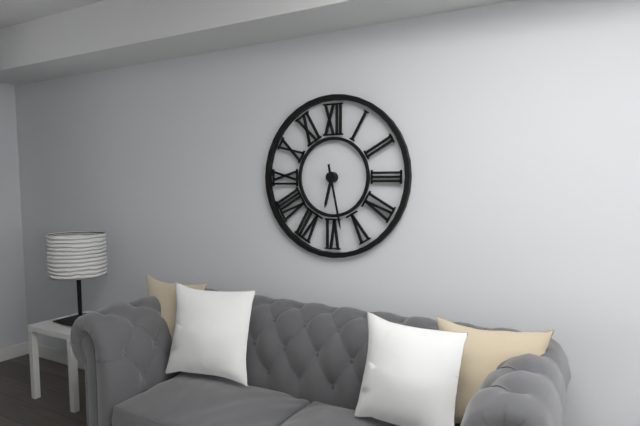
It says 6.28
